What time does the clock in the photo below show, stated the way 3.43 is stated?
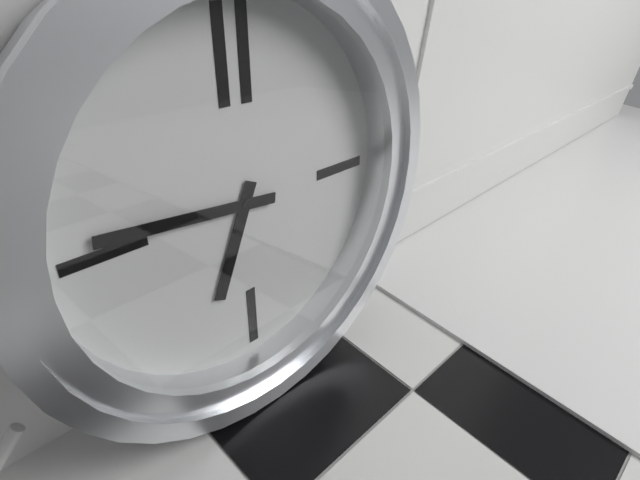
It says 6.46
